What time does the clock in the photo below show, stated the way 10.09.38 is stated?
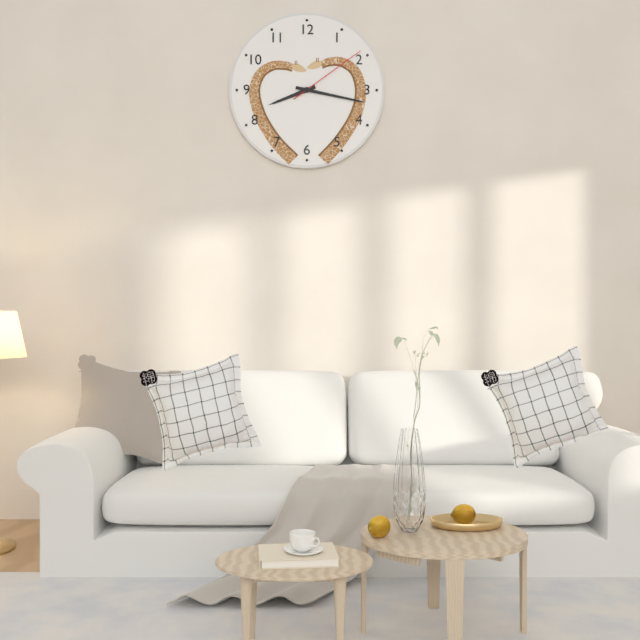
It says 8.17.09
